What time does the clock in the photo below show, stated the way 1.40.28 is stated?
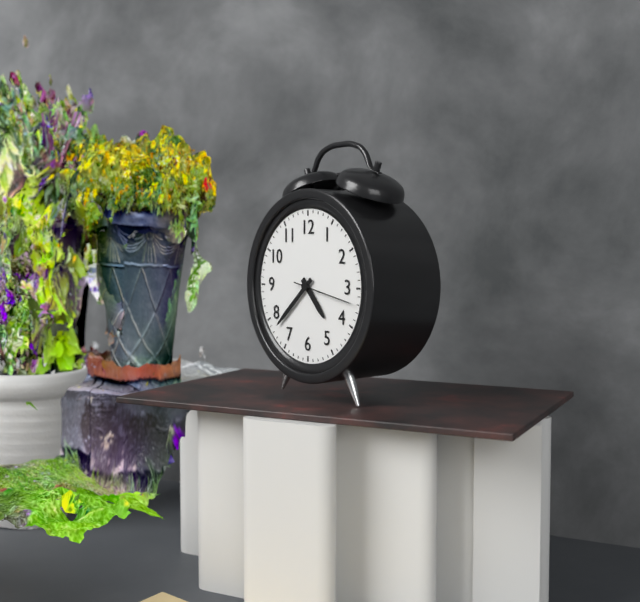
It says 4.38.17
